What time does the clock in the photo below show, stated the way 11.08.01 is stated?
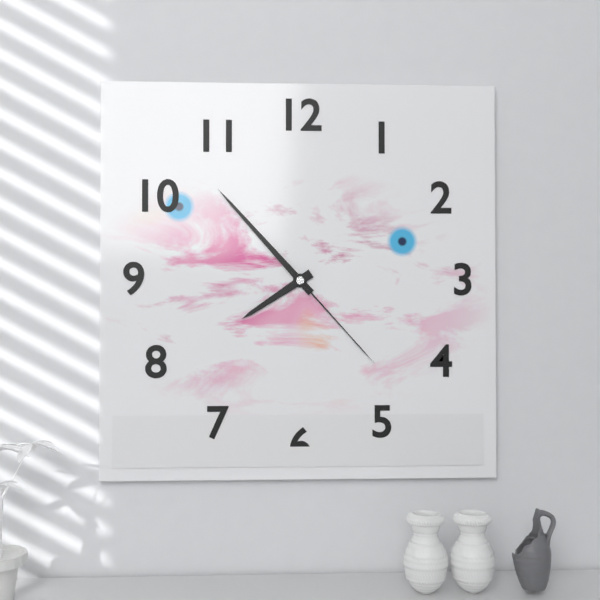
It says 7.53.23
